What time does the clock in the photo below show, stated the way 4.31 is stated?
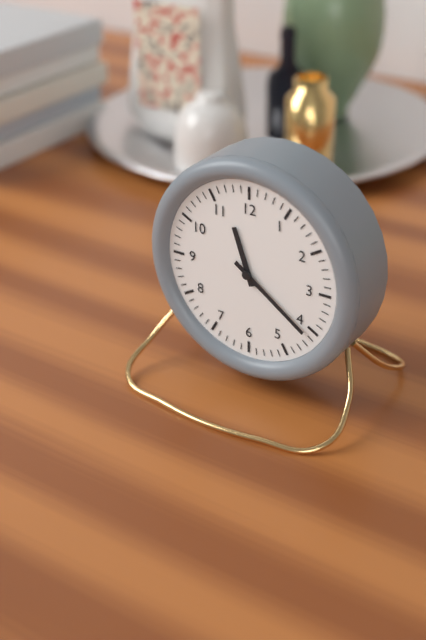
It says 11.21
